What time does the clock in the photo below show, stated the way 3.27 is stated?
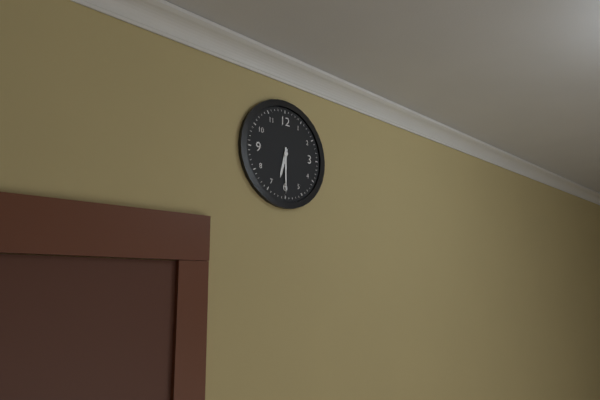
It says 6.30
